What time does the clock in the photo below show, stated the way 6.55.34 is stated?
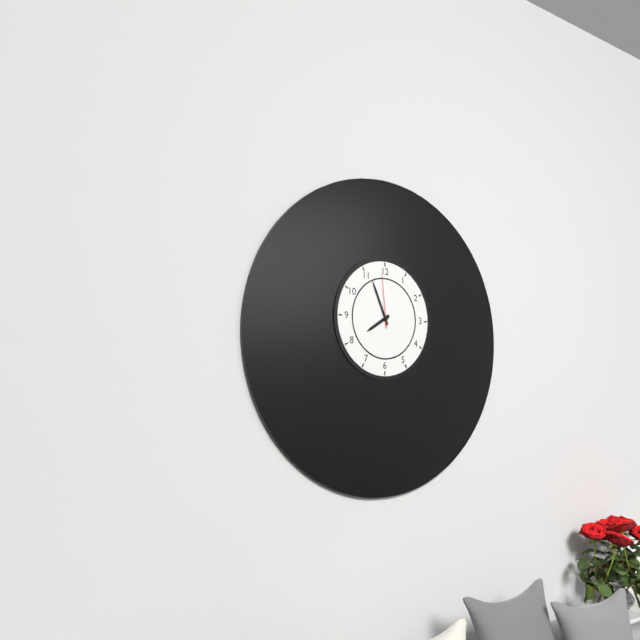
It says 7.56.59
